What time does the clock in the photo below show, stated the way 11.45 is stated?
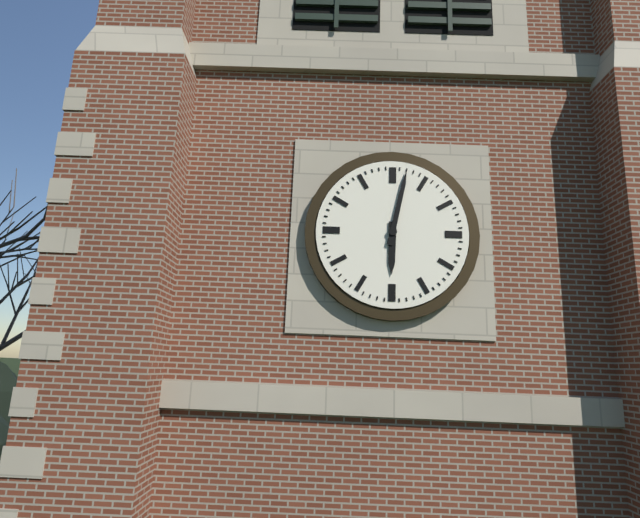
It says 6.02
